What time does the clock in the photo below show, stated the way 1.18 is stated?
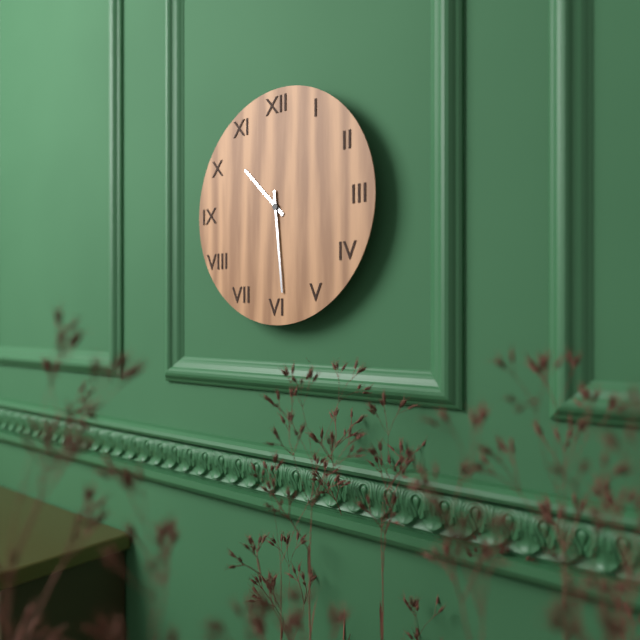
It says 10.29
